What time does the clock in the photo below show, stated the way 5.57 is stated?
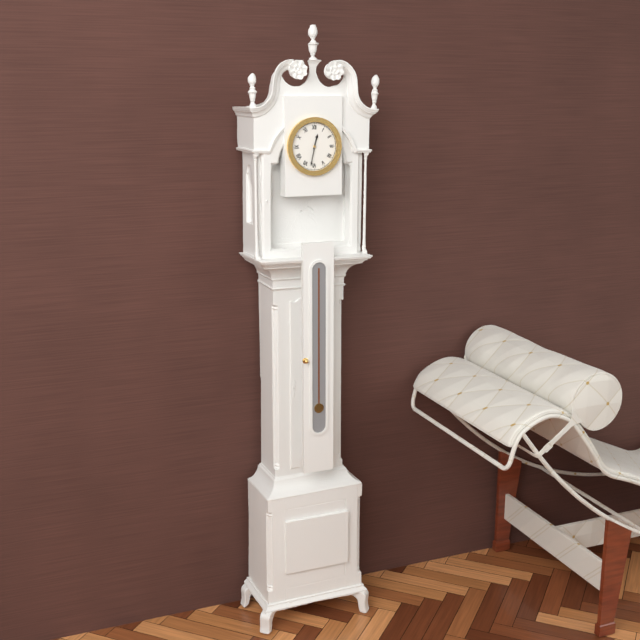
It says 12.32
